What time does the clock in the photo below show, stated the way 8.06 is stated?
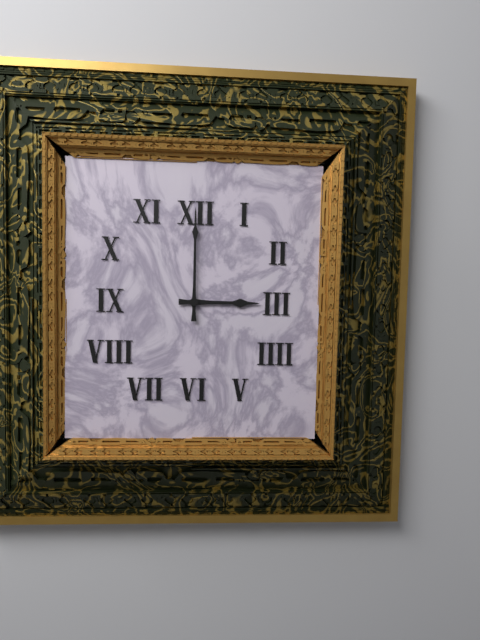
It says 3.00
